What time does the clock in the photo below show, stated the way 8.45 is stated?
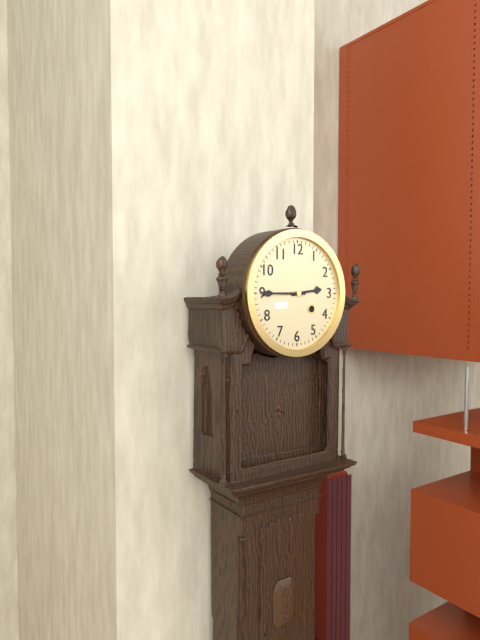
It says 2.45
